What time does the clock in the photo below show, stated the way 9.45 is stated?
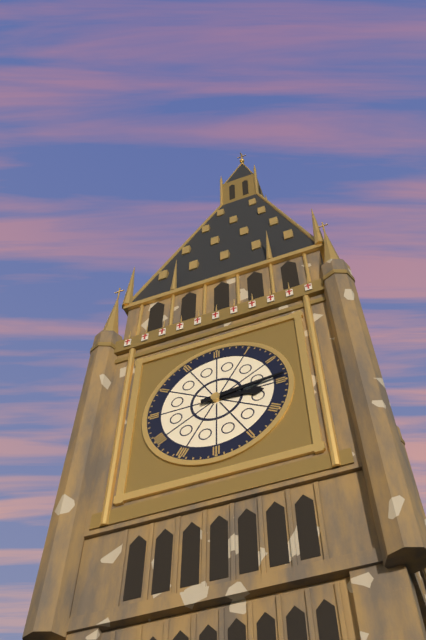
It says 3.14
